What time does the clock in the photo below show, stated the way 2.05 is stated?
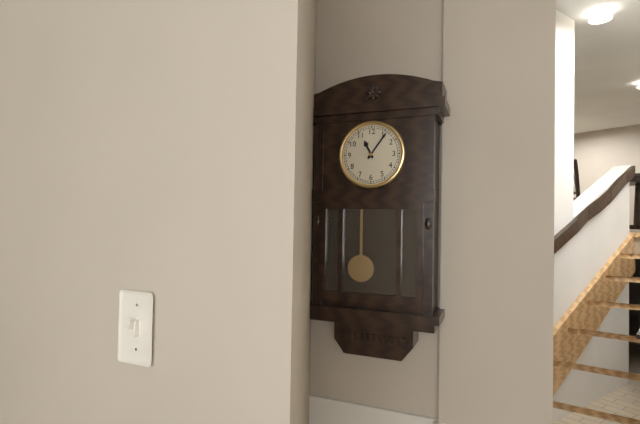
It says 11.06
